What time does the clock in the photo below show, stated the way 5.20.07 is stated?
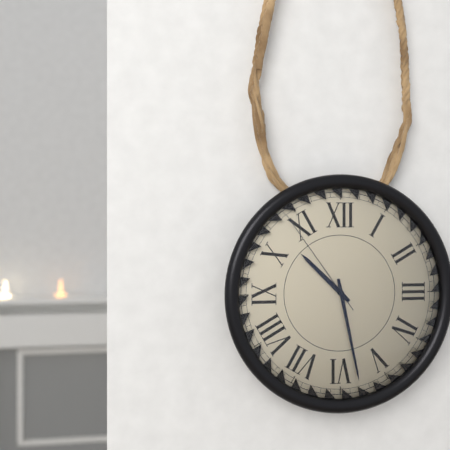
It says 10.28.54
